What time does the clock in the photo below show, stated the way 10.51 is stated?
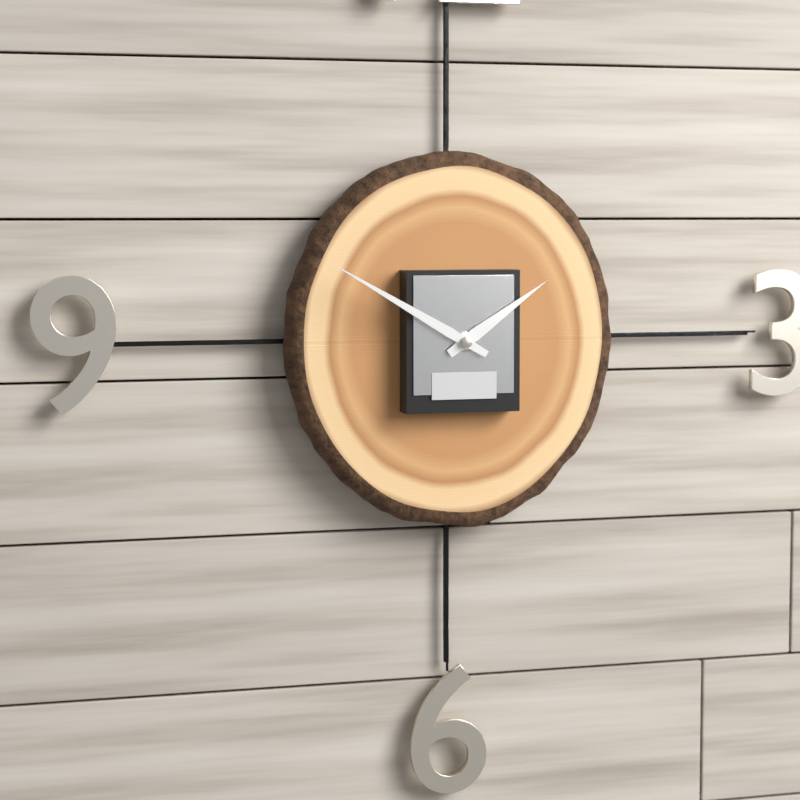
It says 1.50
